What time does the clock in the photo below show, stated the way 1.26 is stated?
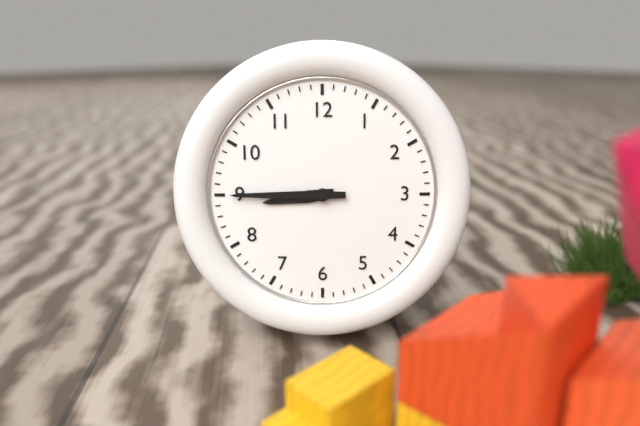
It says 8.45
